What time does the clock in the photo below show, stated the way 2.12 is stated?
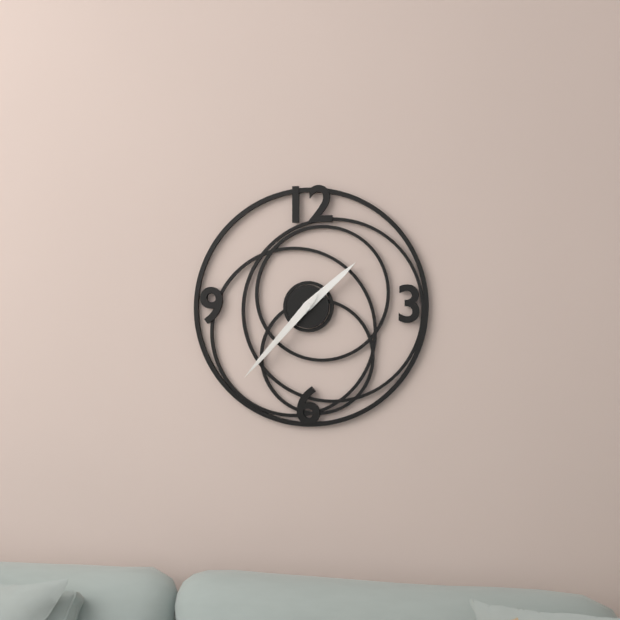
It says 1.37
